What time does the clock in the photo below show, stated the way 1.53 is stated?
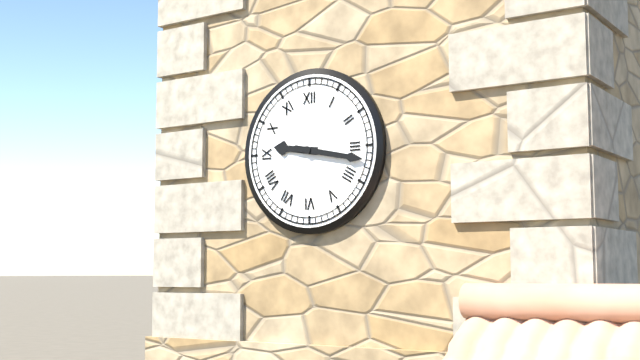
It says 9.17
